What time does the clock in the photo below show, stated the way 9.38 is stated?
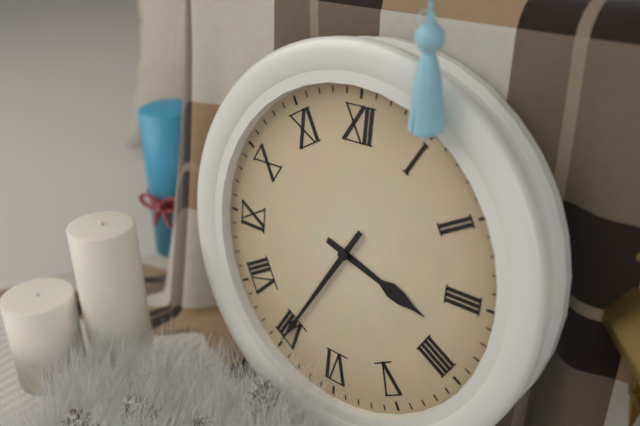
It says 3.35
